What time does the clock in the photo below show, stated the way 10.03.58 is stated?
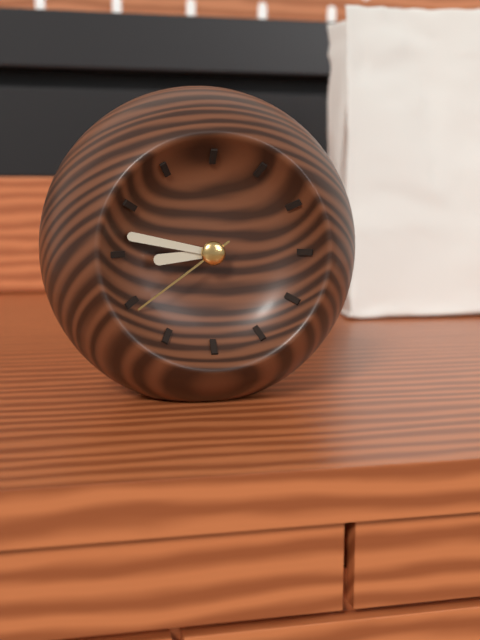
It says 8.47.39
